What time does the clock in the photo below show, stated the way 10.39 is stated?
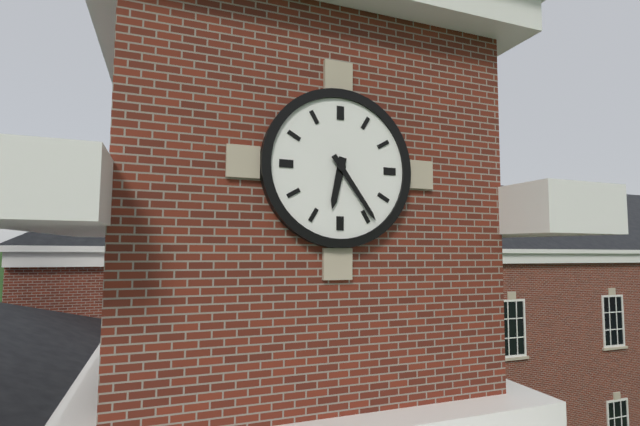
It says 6.24
